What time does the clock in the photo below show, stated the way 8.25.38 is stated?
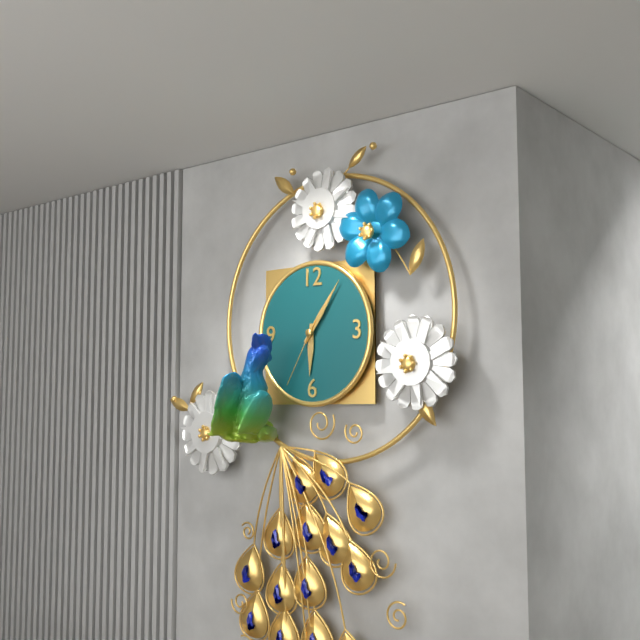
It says 6.06.35
